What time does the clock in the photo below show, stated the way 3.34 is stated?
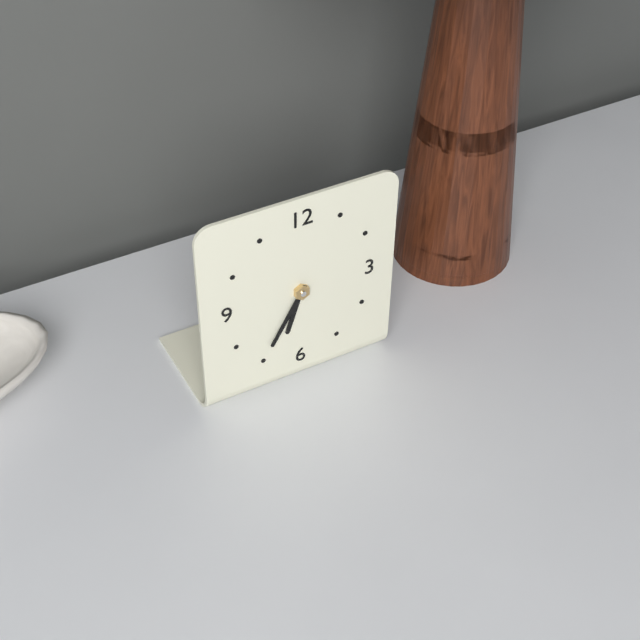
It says 6.35
